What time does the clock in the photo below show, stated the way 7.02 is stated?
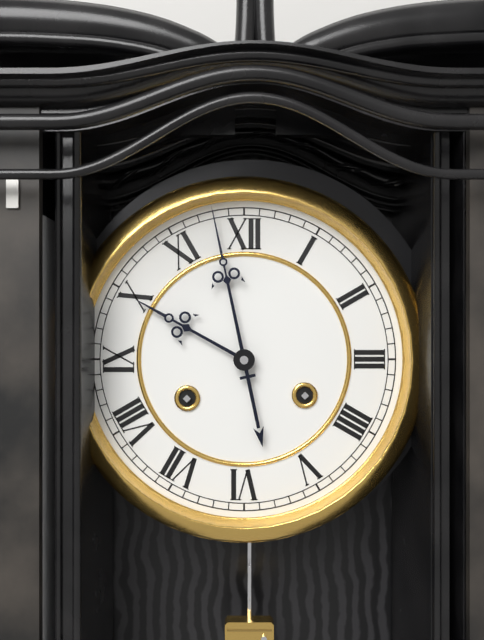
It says 9.58
